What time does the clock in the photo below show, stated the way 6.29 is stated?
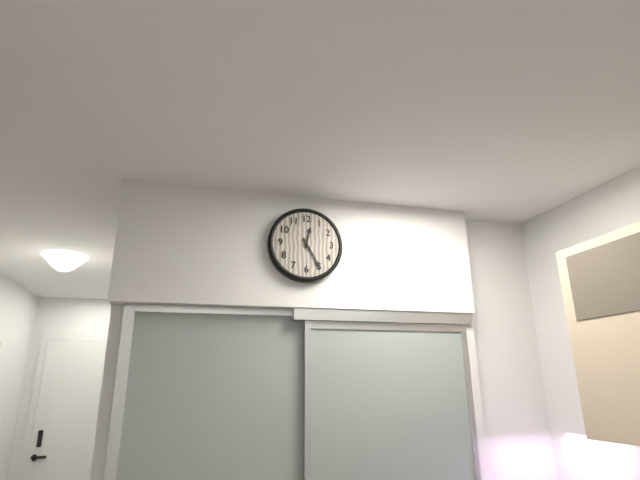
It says 12.25
